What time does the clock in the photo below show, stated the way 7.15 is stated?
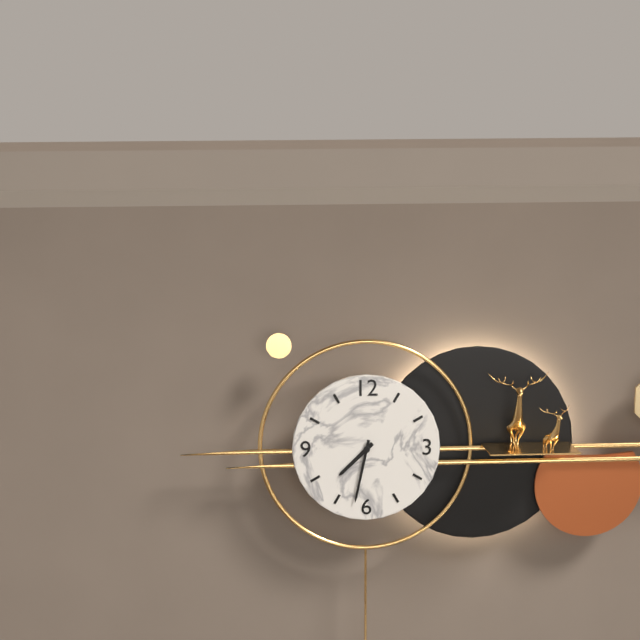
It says 7.32
